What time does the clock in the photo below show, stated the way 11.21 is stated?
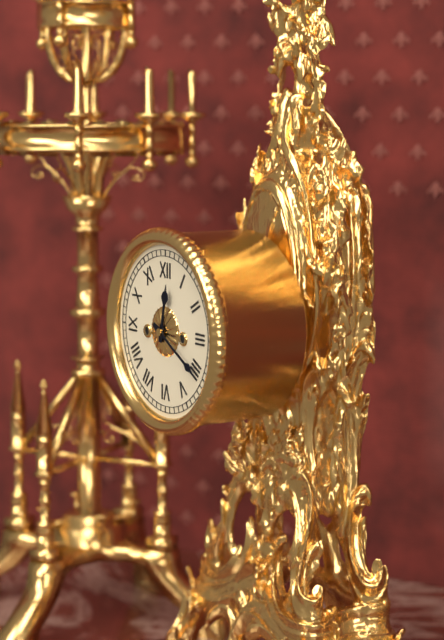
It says 12.20
